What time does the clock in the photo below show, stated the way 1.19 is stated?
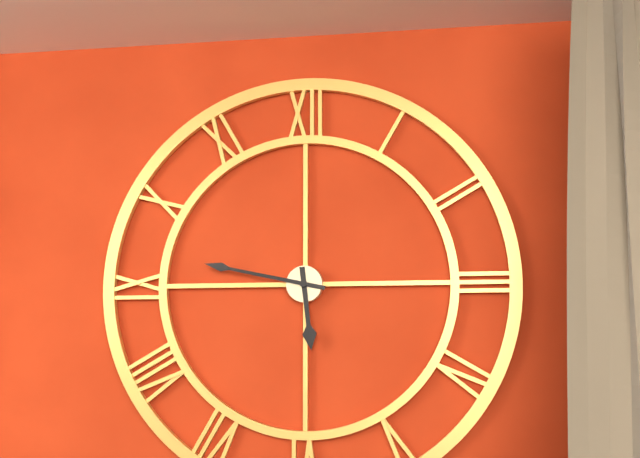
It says 5.47
